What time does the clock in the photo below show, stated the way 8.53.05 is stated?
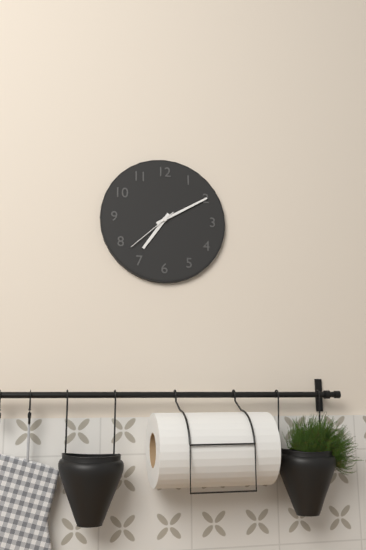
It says 7.10.38
